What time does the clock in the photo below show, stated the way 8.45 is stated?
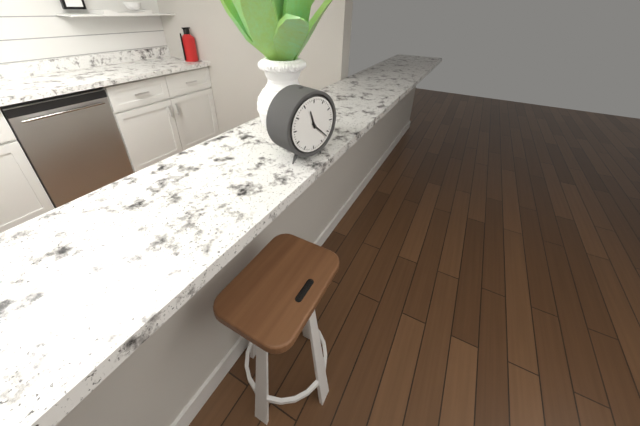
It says 11.22
